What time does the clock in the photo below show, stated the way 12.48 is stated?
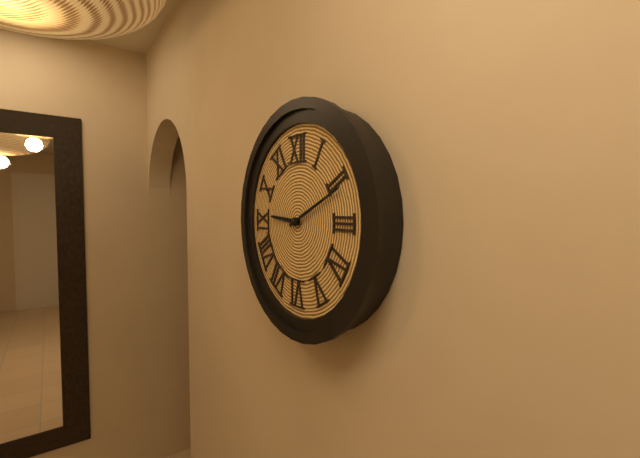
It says 9.11
